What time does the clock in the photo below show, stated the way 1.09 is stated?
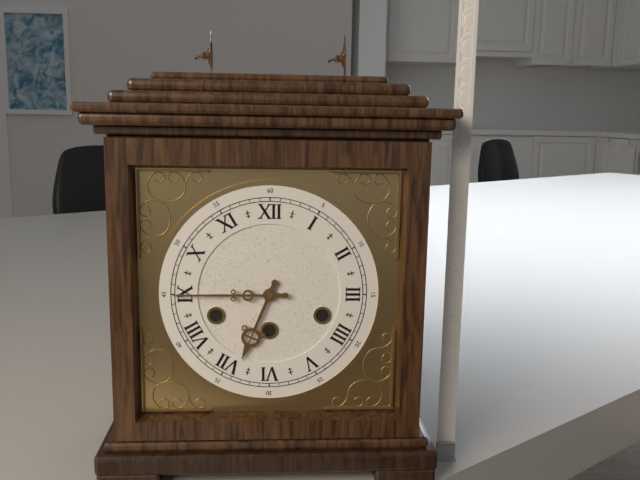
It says 6.45
